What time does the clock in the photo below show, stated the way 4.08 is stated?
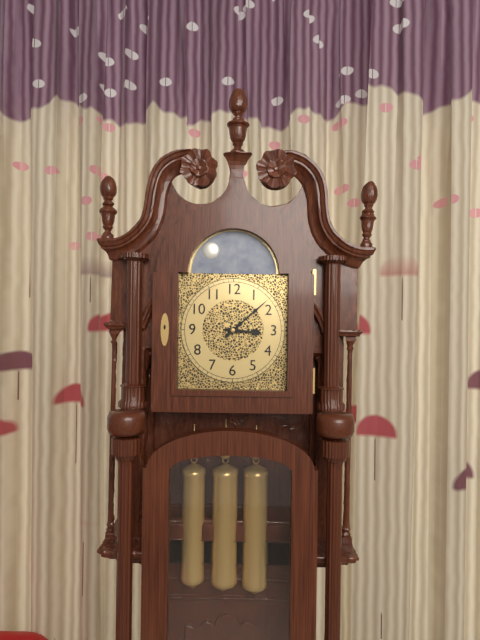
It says 3.08
